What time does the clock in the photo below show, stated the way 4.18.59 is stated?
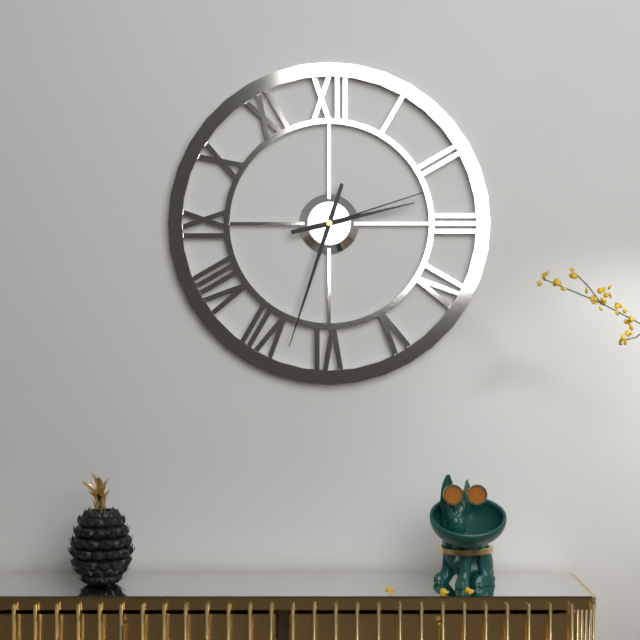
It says 2.33.12
